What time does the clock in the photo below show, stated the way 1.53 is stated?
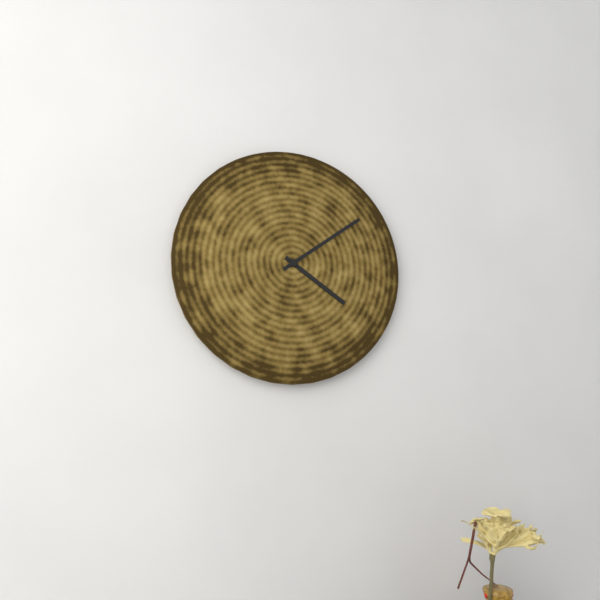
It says 4.09
